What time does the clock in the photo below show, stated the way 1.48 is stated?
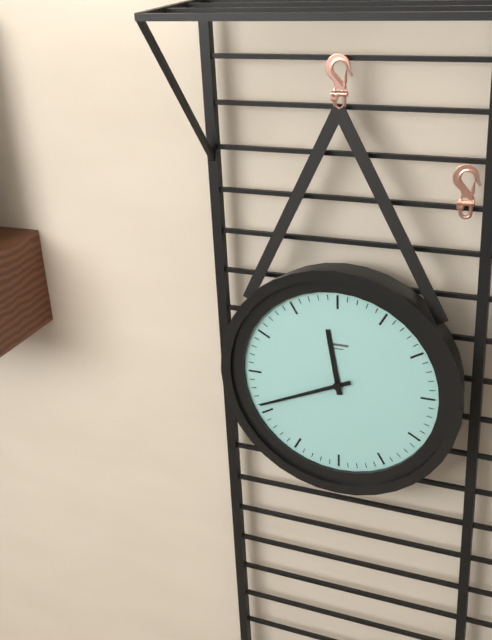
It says 11.41
